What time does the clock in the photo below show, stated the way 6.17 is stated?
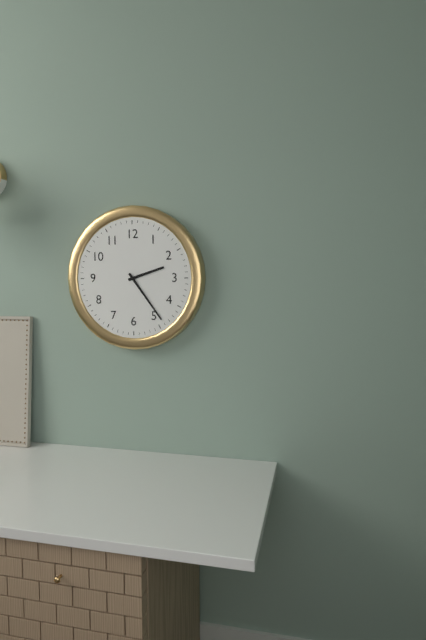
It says 2.24
